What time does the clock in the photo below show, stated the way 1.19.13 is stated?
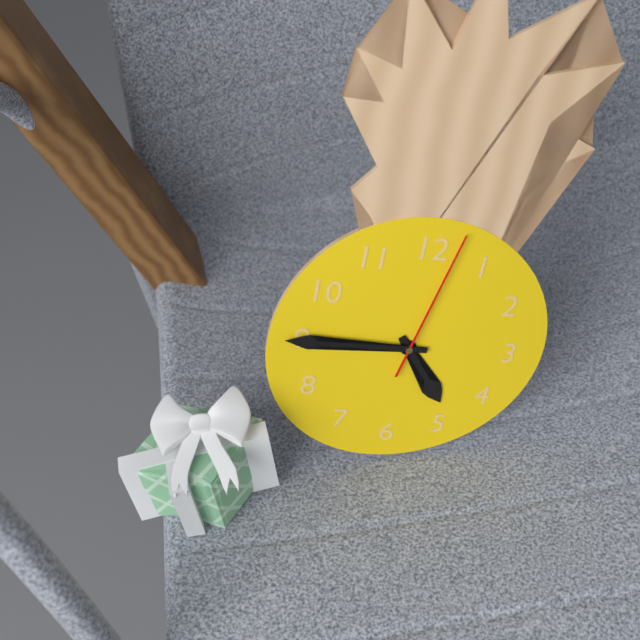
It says 4.45.02
